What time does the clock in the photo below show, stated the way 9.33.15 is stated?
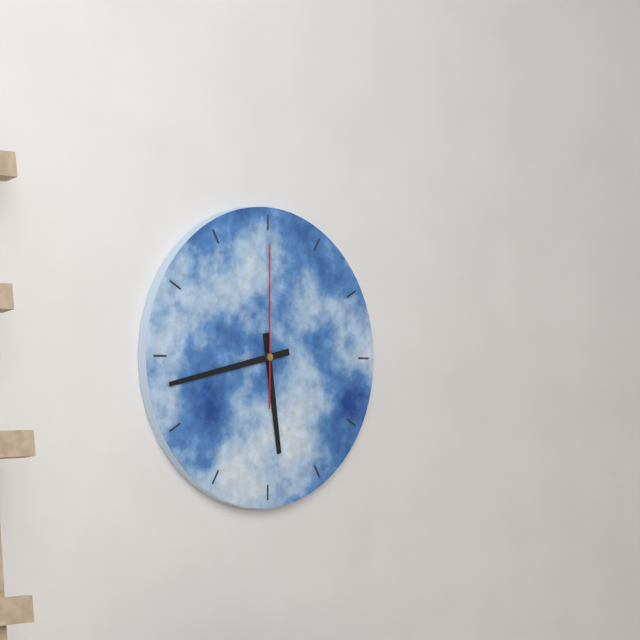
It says 5.43.00
